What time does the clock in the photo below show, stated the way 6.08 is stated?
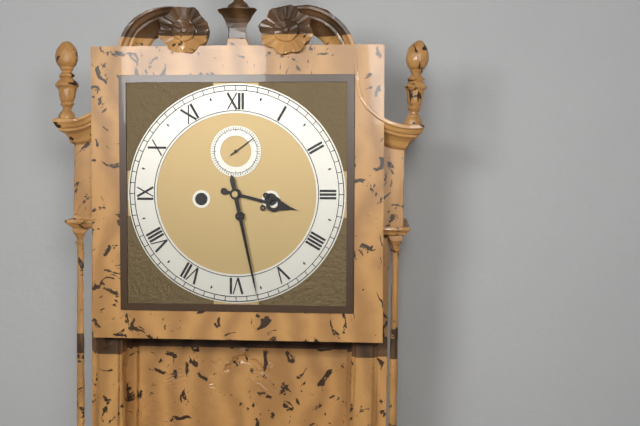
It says 3.28
